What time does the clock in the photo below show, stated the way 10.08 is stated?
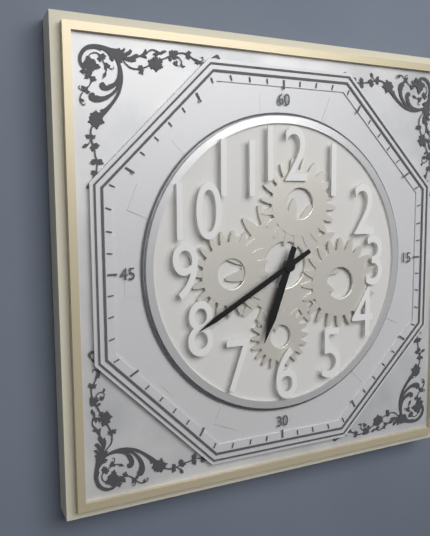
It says 6.40
